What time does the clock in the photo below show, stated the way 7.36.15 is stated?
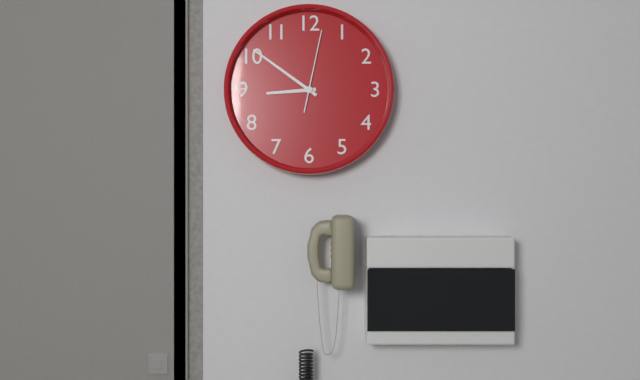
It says 8.51.02
